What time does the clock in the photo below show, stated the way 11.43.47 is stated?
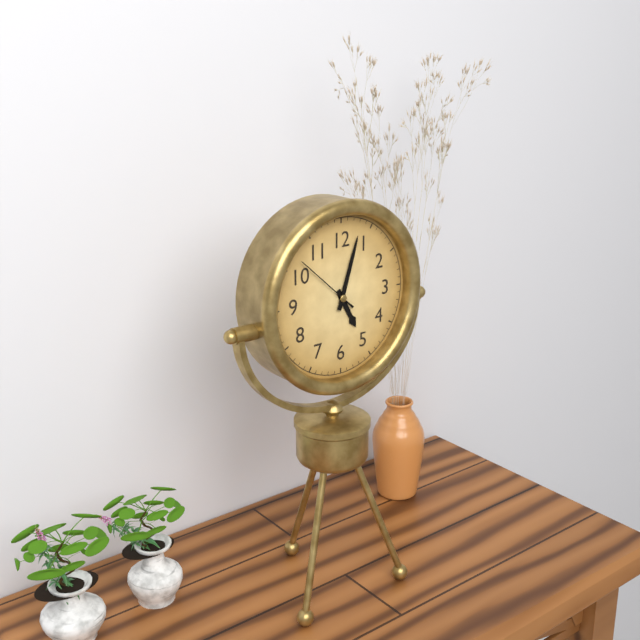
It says 5.03.52
